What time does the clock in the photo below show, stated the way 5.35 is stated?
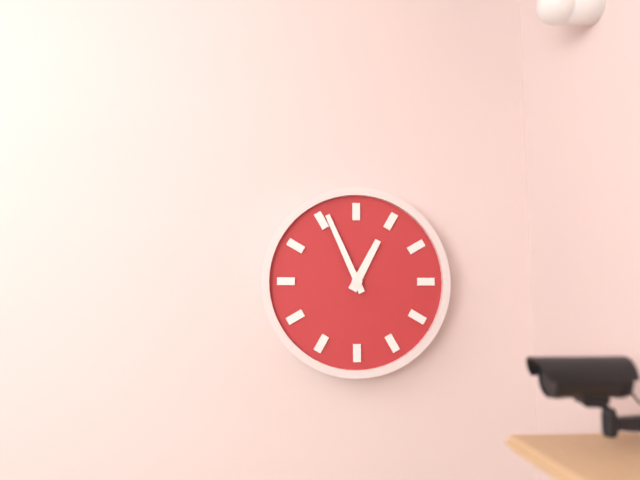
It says 12.56
